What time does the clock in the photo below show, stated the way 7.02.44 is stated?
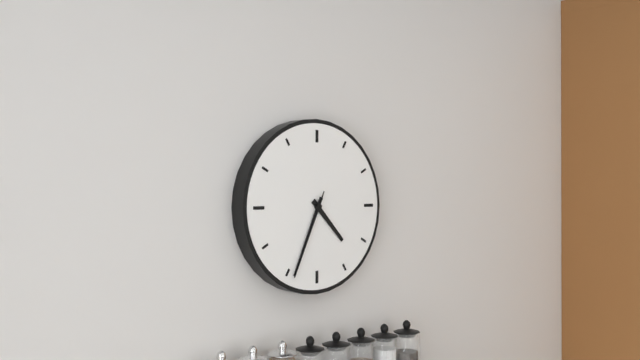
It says 4.34.34
